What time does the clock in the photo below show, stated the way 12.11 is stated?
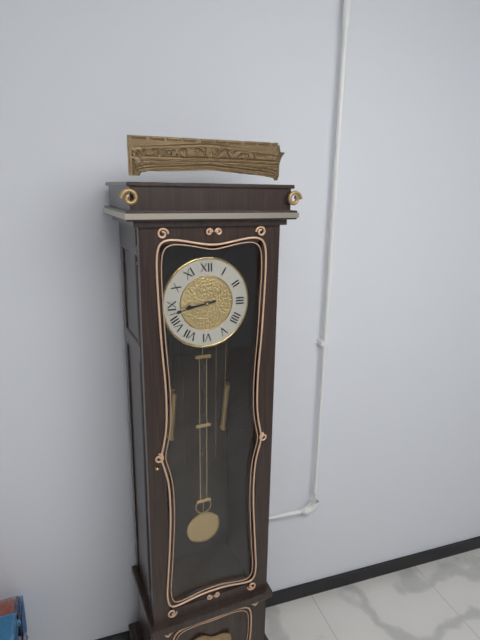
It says 8.43
